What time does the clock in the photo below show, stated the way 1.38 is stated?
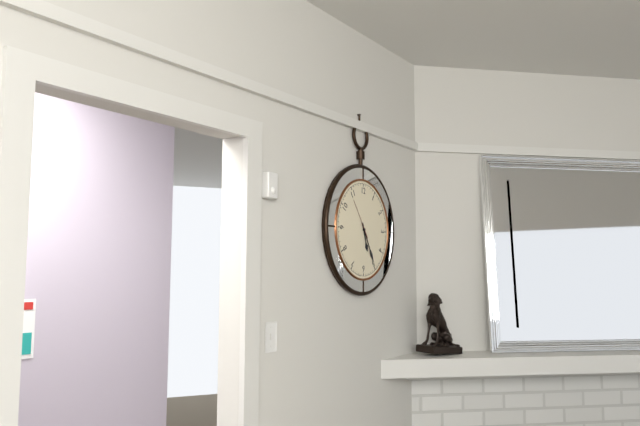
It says 5.25
